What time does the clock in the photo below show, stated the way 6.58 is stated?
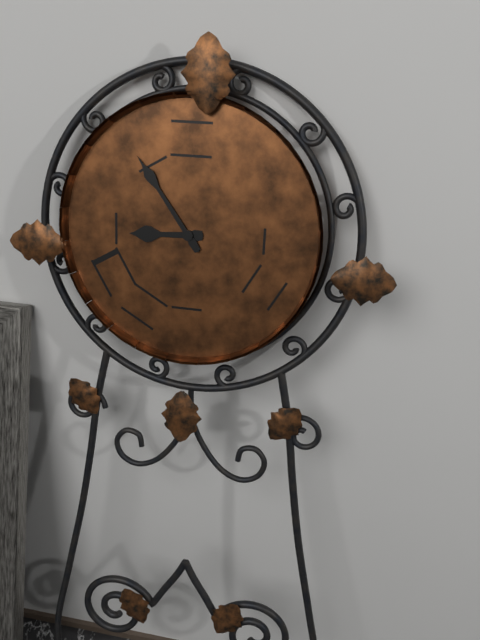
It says 8.54
